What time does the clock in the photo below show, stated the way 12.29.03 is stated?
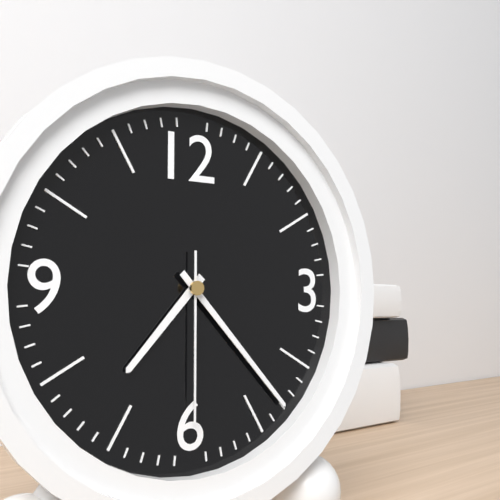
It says 7.23.30
